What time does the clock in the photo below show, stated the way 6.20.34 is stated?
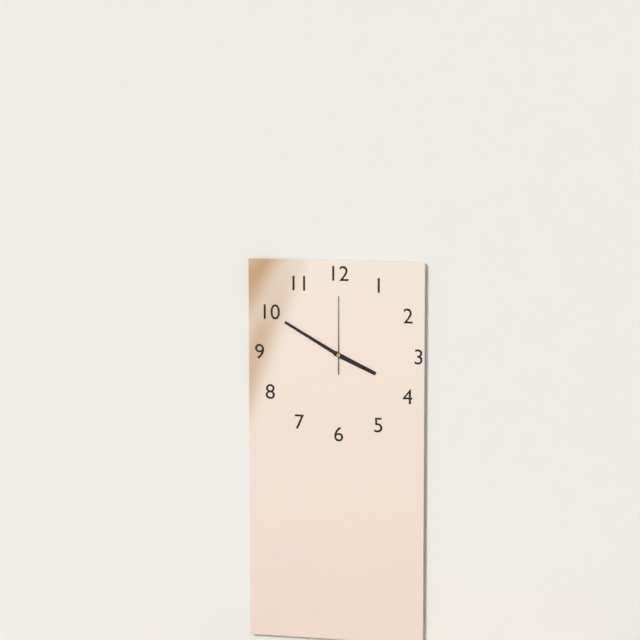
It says 3.50.00
